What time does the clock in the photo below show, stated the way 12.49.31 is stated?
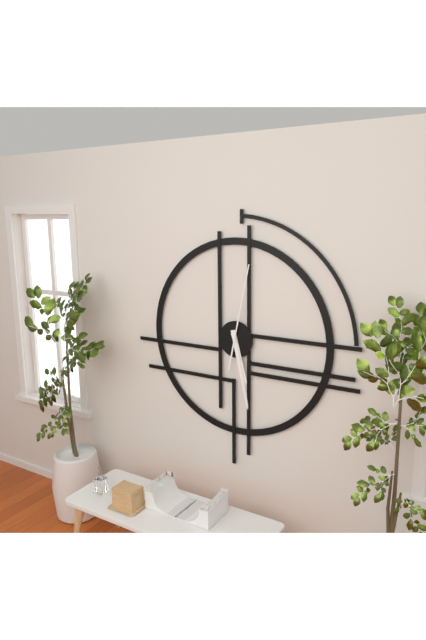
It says 5.28.02
